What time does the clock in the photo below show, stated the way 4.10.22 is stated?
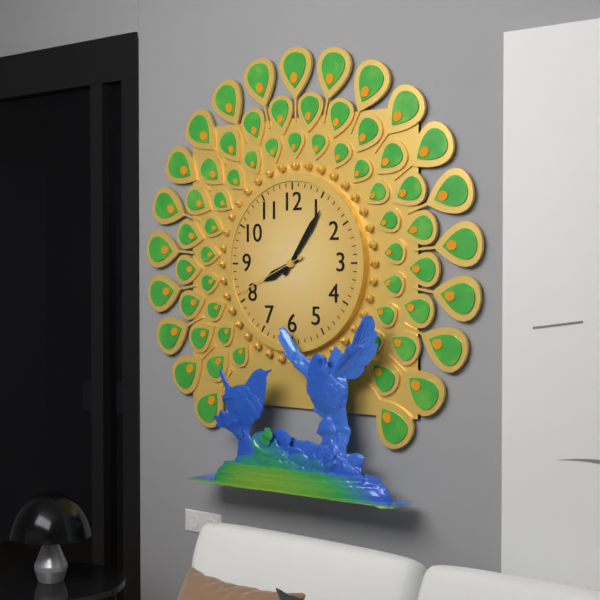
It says 8.06.41
